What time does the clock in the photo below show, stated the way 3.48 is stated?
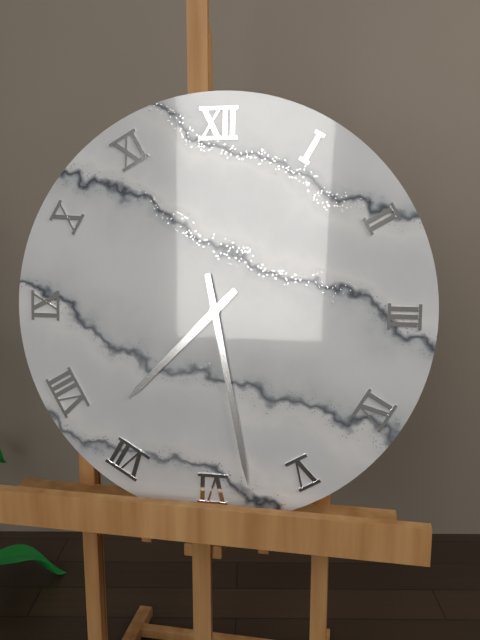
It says 7.28
